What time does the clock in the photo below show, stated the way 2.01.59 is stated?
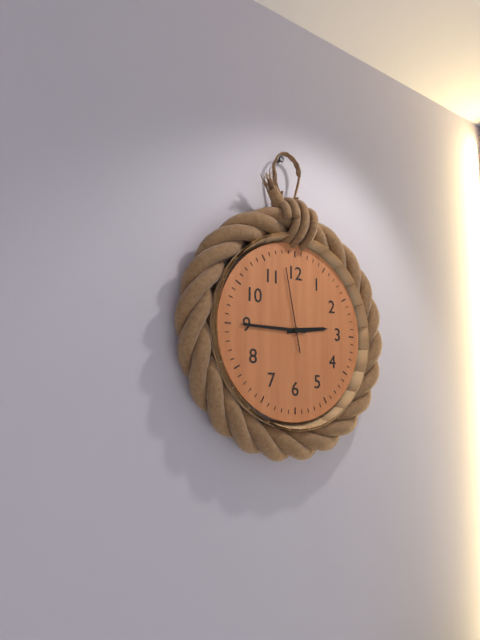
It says 2.45.58
